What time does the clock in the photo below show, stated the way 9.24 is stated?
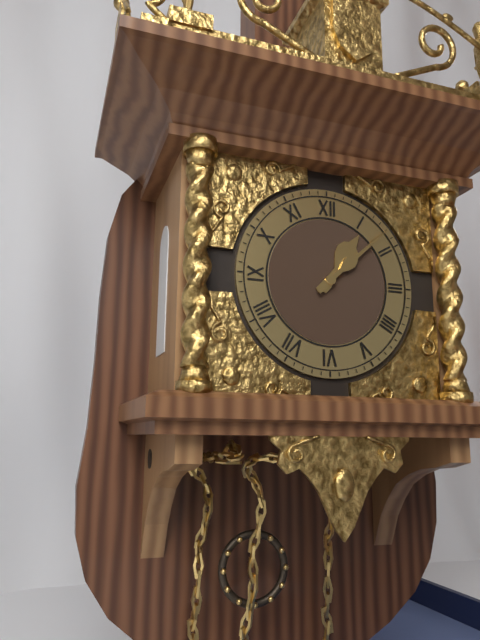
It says 1.08
